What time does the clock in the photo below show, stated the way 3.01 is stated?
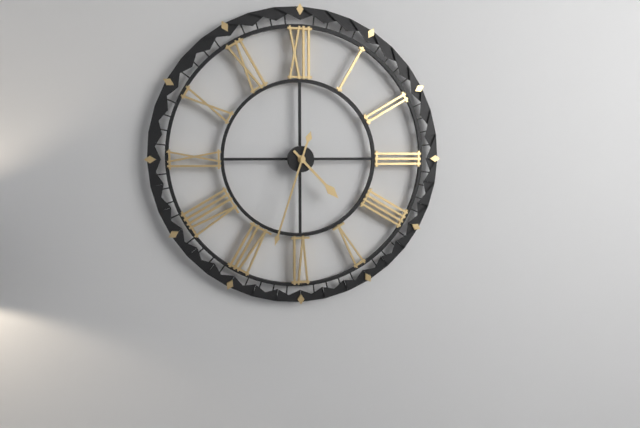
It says 4.33
